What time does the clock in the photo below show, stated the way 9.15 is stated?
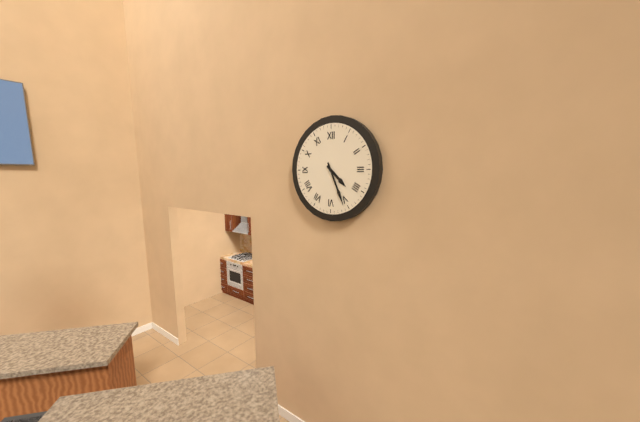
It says 4.26
